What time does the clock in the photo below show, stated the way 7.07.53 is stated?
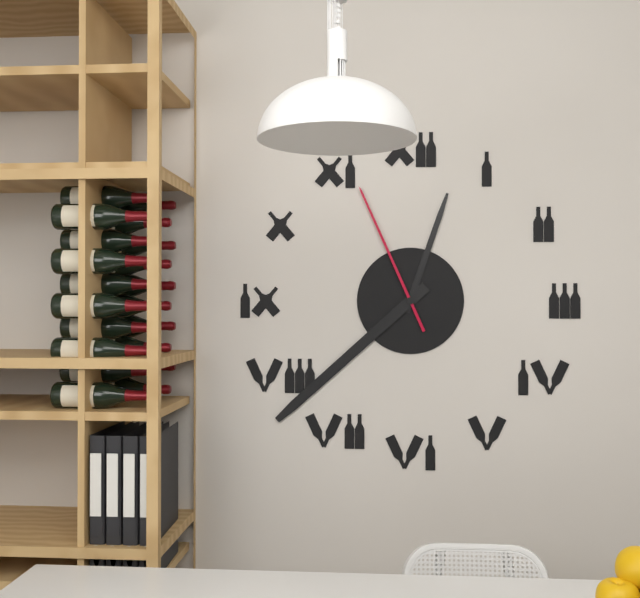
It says 12.38.56
